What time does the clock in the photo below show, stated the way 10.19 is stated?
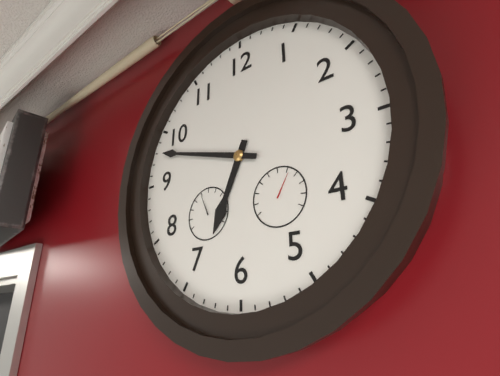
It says 6.48
